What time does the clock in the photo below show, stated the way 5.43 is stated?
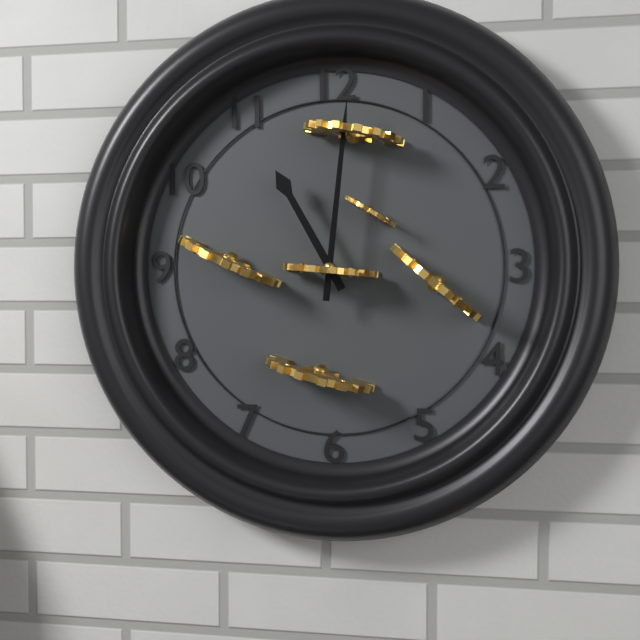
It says 11.01
